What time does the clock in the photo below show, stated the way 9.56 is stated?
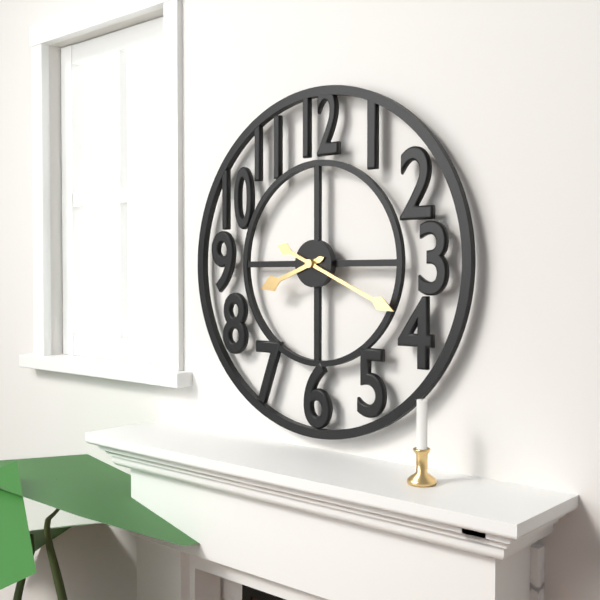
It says 8.19
